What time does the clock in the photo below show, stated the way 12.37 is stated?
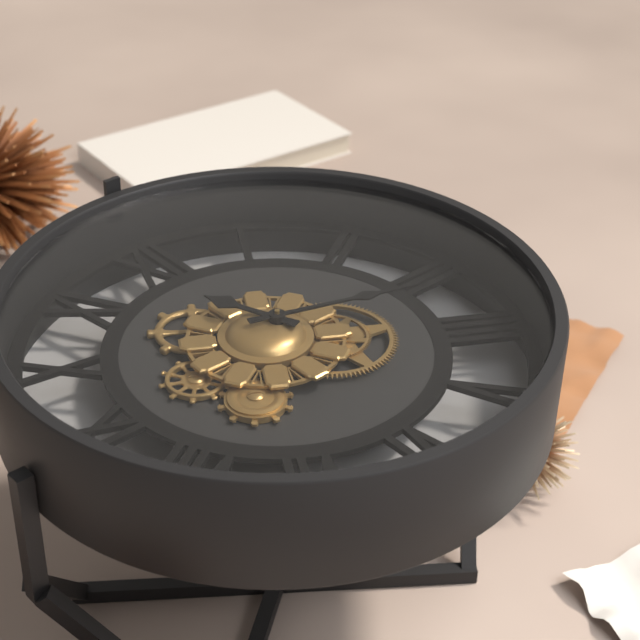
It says 11.18
